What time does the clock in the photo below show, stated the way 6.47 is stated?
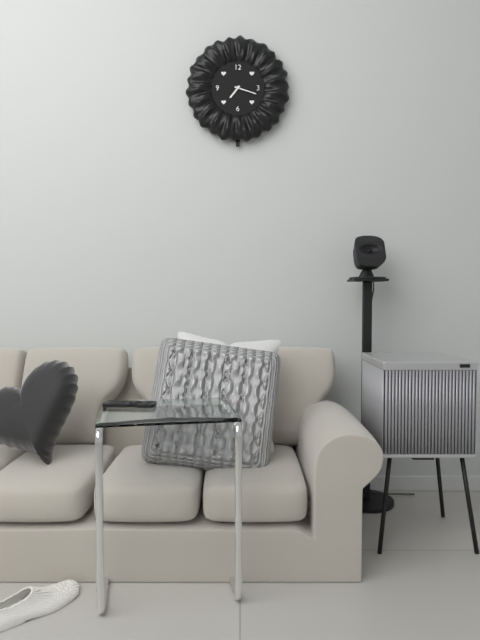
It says 7.18
